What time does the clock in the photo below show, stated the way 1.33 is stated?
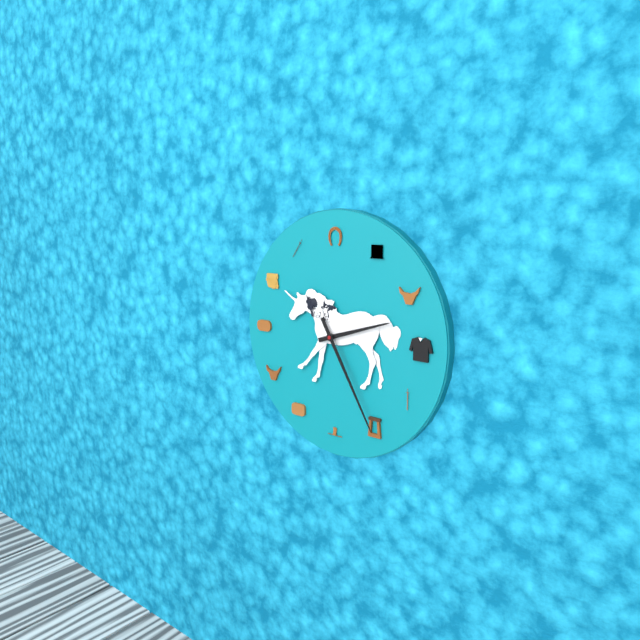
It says 2.25
